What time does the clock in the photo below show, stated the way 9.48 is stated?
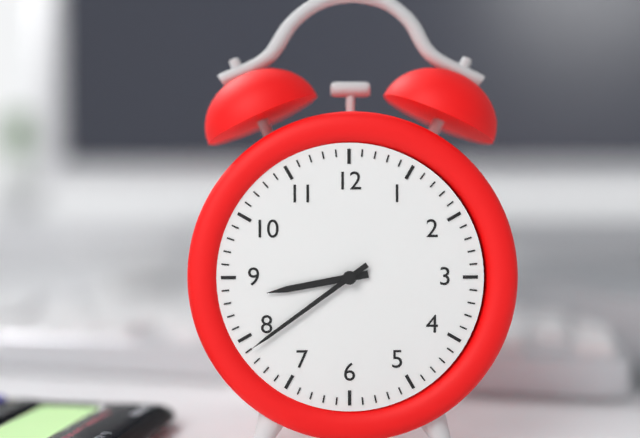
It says 8.39
